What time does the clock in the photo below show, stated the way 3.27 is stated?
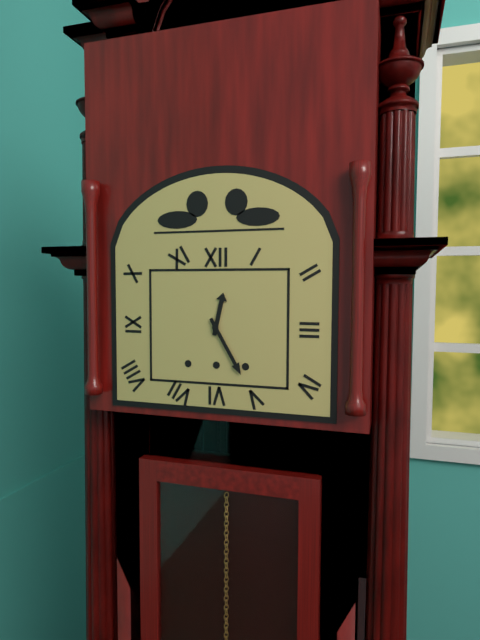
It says 12.25
